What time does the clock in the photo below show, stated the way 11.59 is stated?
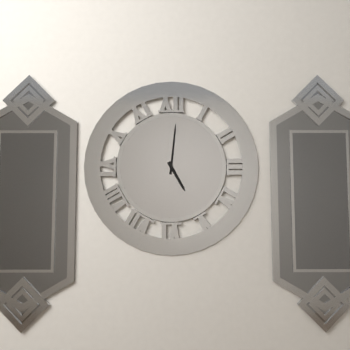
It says 5.01
